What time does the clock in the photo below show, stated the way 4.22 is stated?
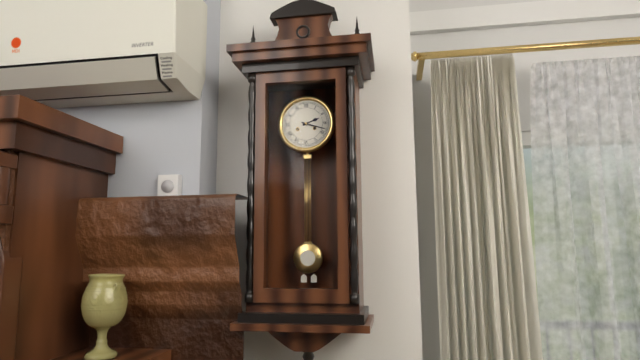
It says 2.18
